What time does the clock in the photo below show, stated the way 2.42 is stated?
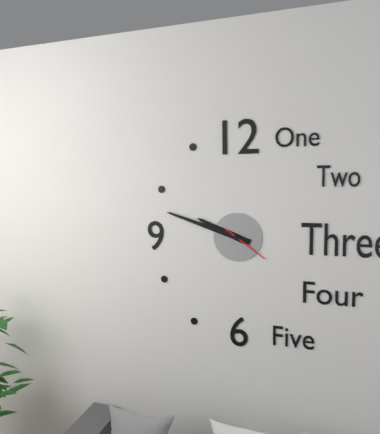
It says 9.48
